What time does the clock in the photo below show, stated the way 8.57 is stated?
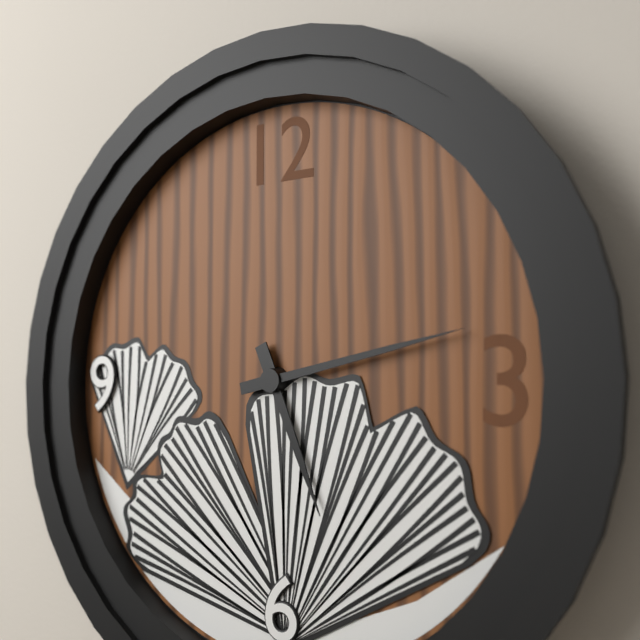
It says 5.13
